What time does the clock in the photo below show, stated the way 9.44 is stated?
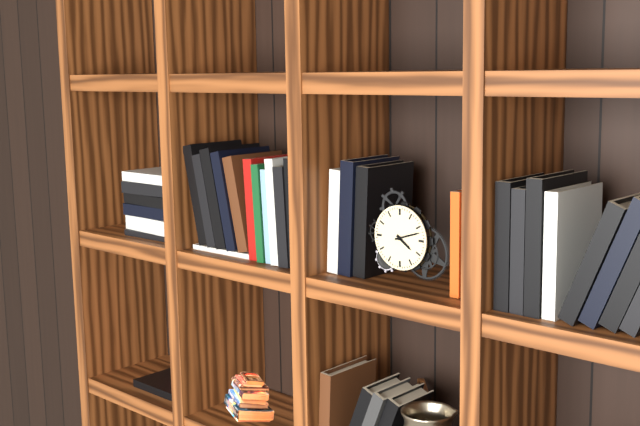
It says 4.12
